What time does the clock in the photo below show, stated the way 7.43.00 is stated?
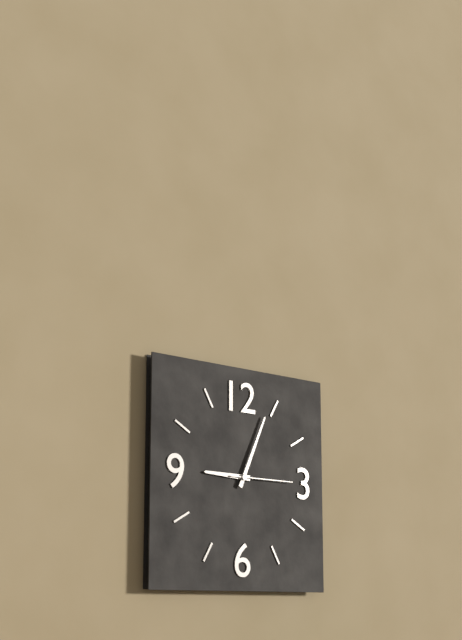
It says 9.04.15
